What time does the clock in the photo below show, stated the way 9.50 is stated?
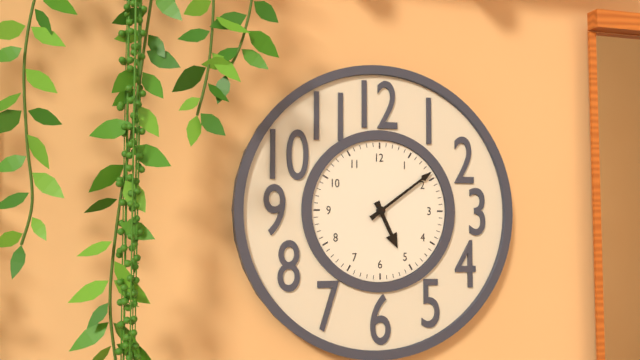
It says 5.09
